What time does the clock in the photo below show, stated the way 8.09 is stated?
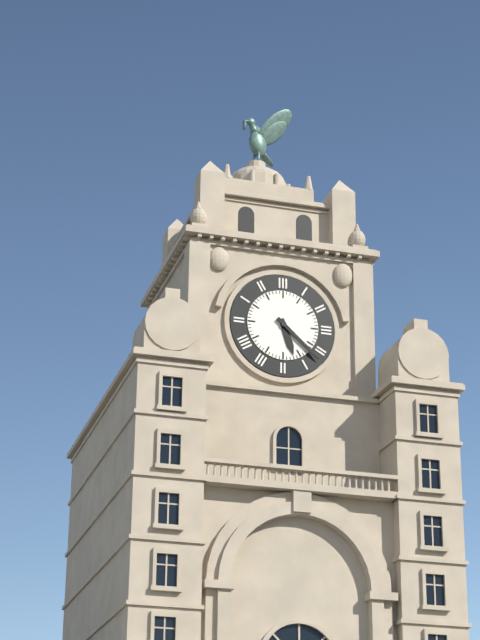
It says 5.22
